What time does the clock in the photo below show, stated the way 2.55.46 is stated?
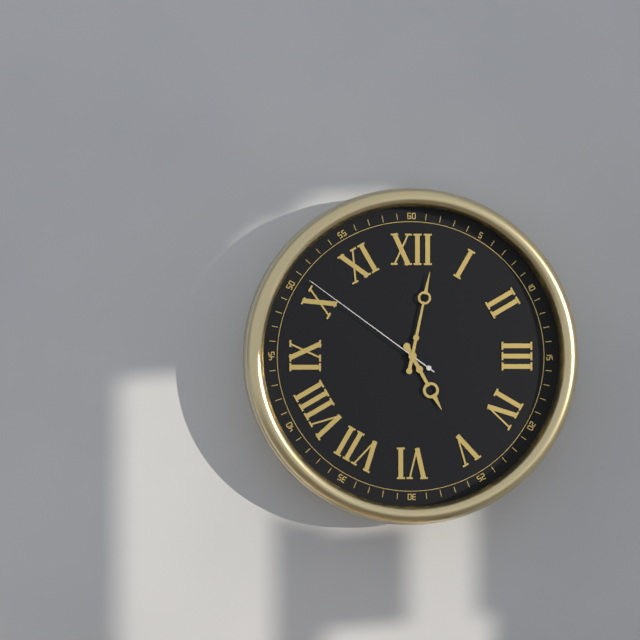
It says 5.02.51
